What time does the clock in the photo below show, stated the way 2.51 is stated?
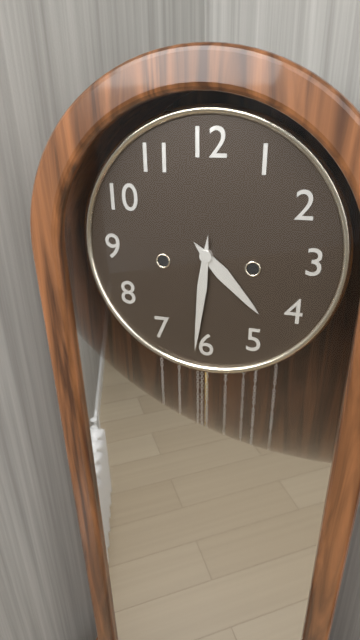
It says 4.31
